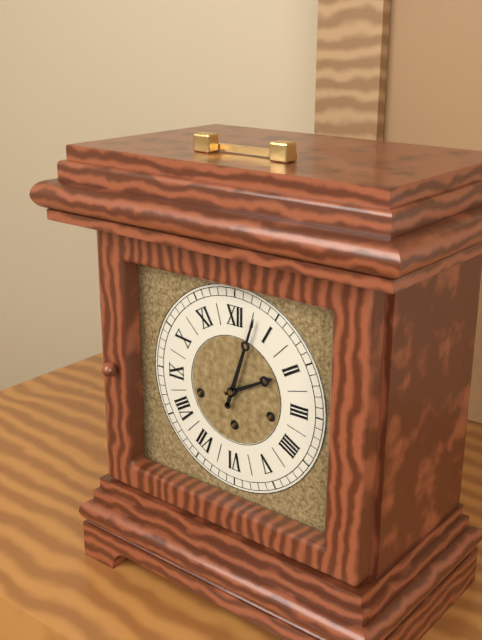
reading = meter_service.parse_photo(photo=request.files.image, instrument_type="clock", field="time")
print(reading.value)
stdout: 2:03
